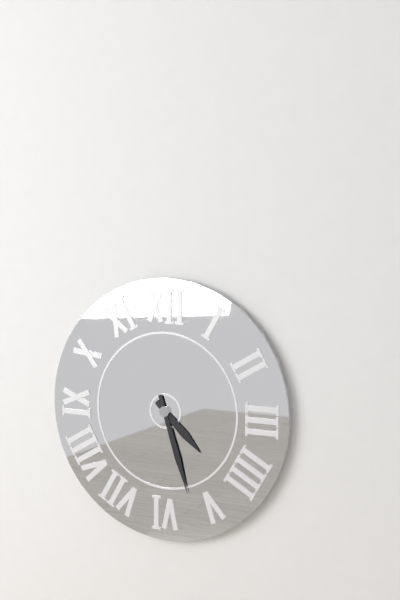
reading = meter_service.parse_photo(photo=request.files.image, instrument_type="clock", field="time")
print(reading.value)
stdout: 4:27
